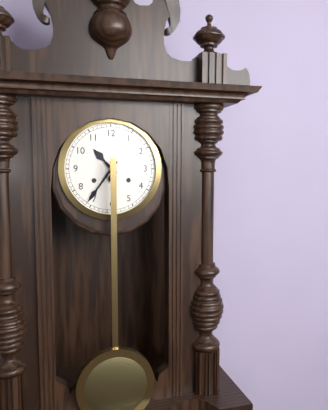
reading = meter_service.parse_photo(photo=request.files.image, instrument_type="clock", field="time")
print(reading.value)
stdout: 10:36
